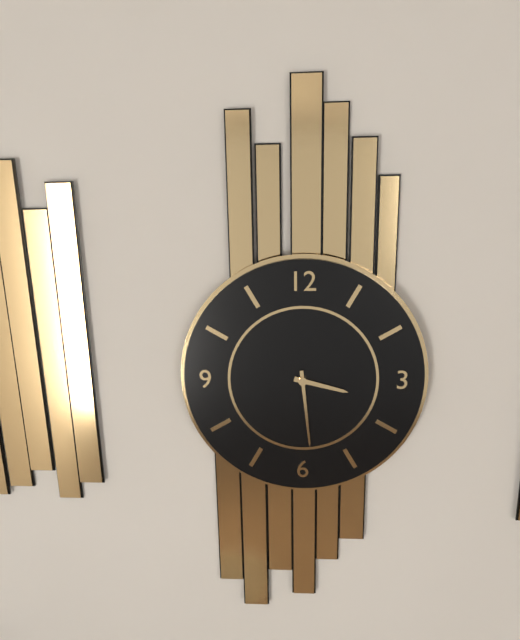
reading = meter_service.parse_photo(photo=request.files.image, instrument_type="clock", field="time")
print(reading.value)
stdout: 3:29
